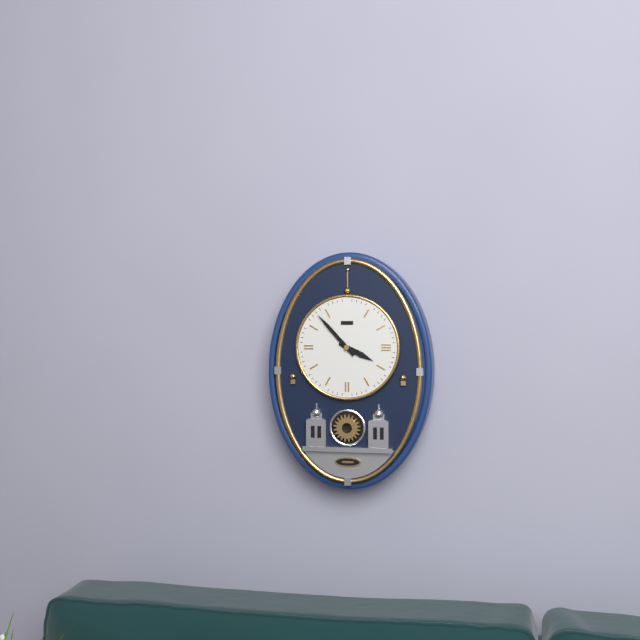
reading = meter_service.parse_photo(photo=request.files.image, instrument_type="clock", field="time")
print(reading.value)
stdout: 3:53
